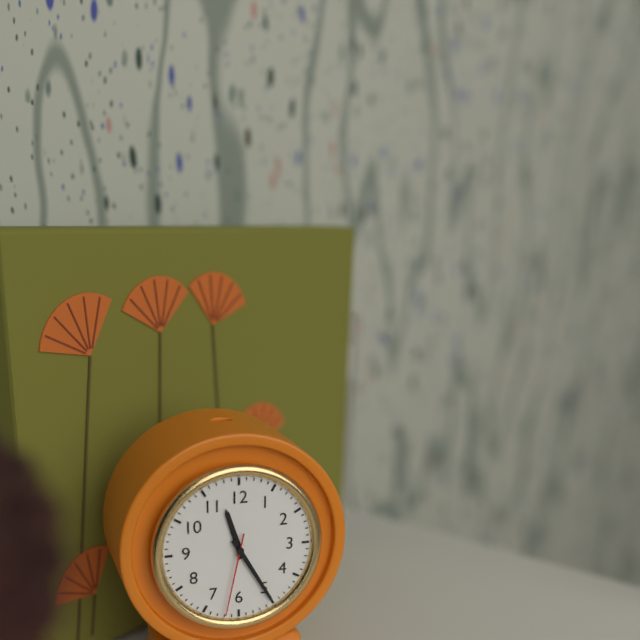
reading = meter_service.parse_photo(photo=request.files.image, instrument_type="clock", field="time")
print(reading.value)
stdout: 11:25:32
